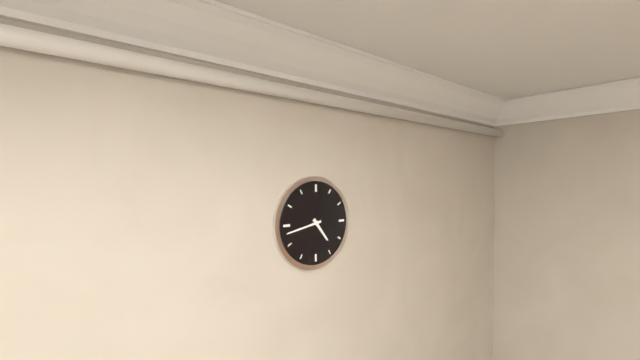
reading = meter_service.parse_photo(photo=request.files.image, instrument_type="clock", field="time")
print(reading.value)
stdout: 4:43
